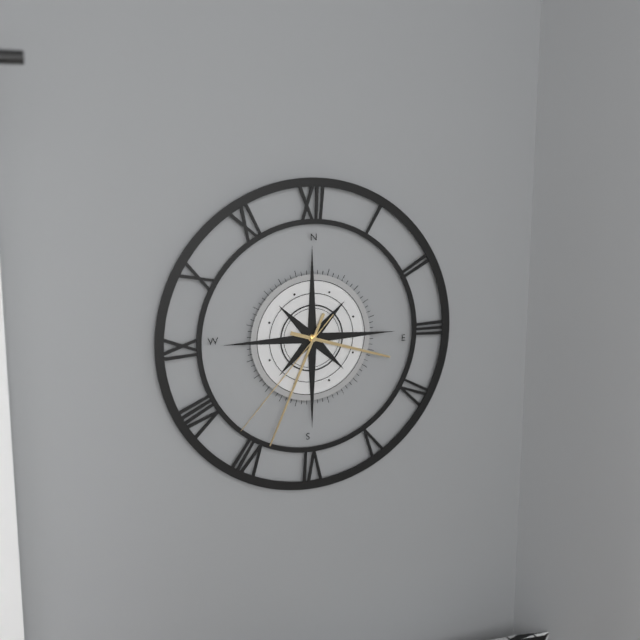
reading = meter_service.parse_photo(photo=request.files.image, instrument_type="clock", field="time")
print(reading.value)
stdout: 3:34:37
